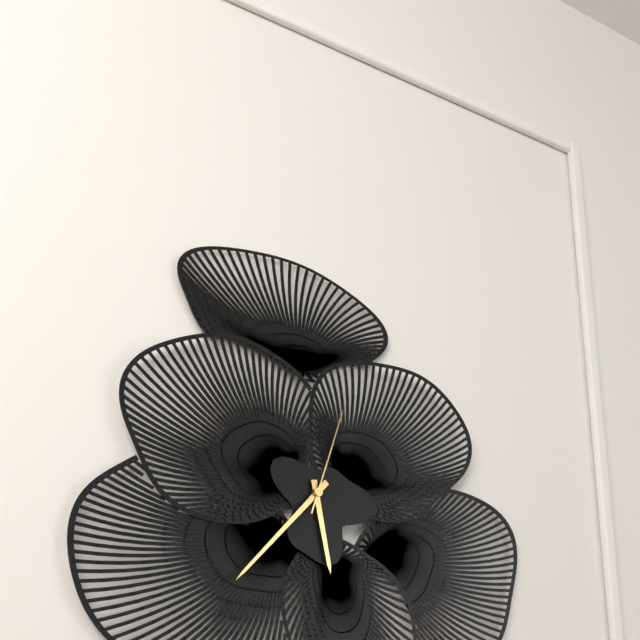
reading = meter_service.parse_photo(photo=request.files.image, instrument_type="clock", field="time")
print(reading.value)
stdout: 5:37:03
